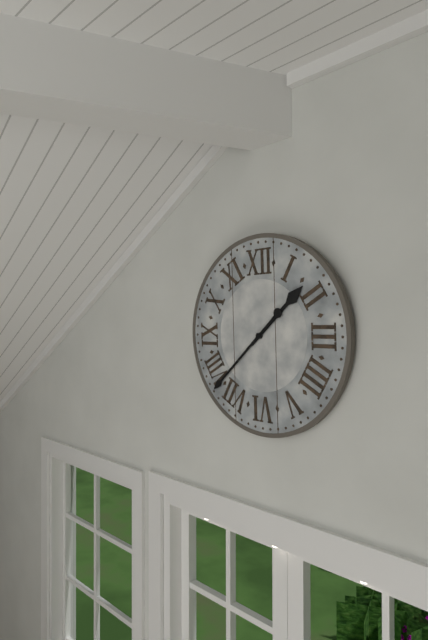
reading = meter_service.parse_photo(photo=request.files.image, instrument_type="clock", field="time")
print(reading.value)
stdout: 1:38
